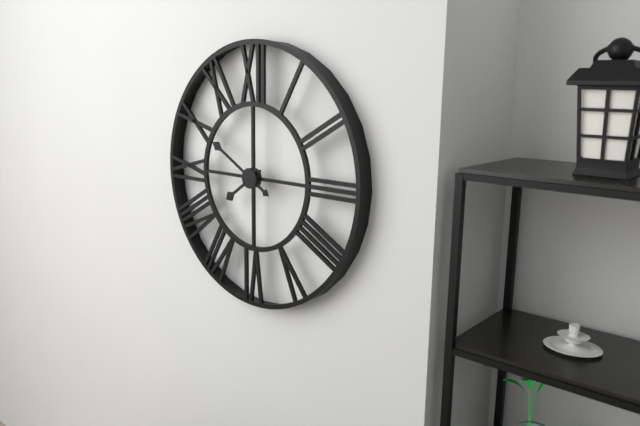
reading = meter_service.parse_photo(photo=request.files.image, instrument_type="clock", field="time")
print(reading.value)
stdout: 7:50
